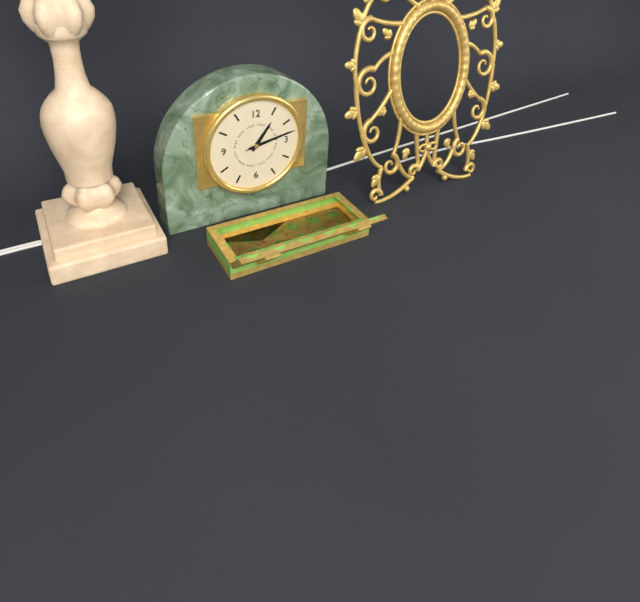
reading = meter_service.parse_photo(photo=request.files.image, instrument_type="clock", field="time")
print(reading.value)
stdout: 1:13:13
